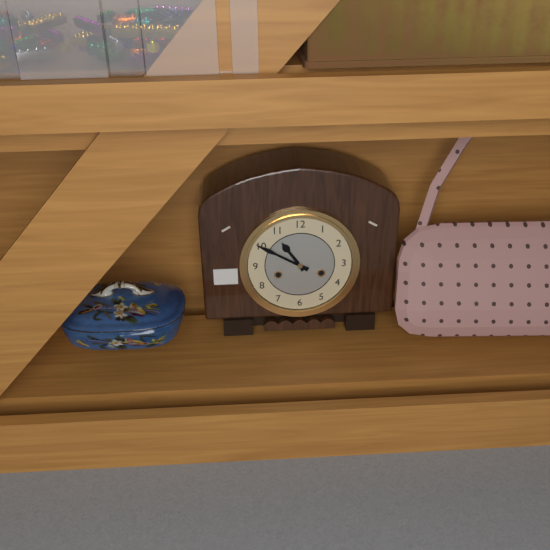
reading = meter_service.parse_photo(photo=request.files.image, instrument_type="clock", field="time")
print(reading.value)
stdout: 10:50
